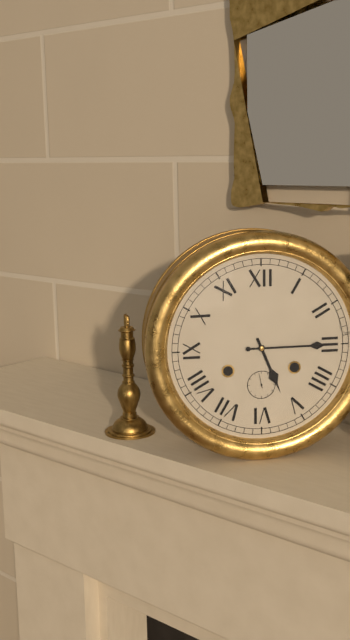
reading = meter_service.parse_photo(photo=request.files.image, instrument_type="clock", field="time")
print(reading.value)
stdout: 5:15
